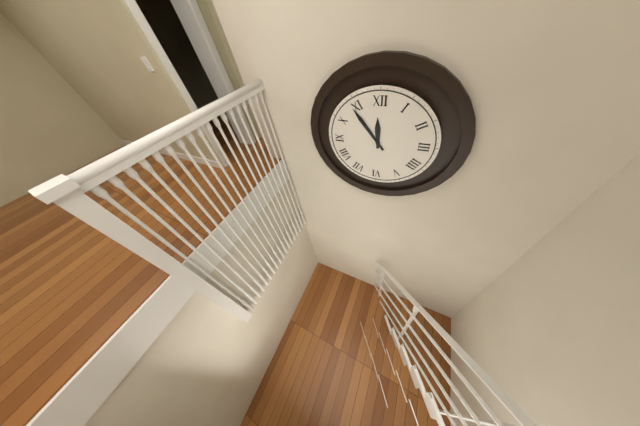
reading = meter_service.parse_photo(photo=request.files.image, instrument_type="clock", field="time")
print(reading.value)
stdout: 11:54
